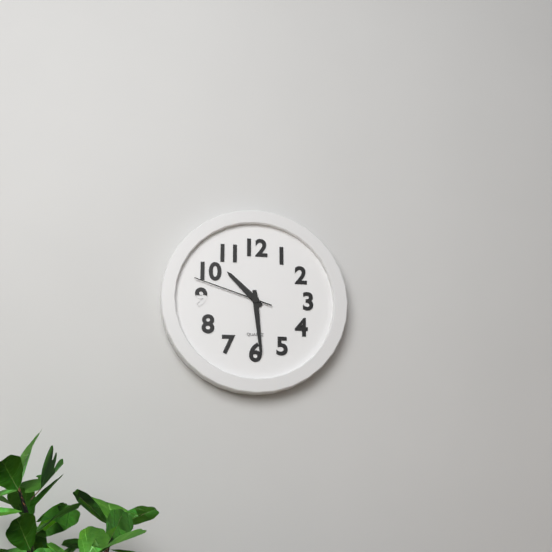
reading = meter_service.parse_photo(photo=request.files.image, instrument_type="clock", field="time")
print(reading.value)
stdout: 10:29:48
